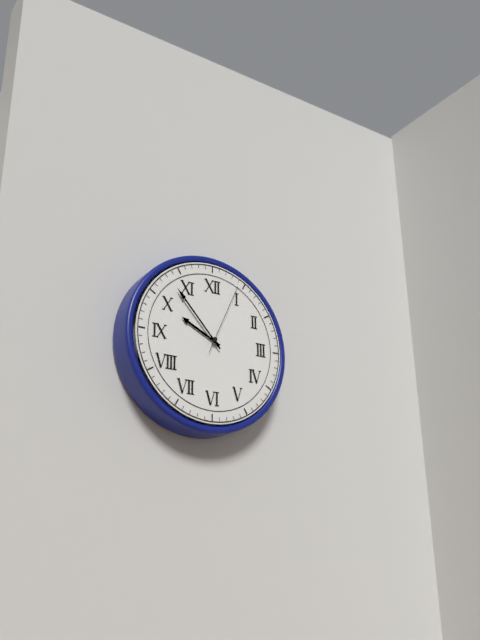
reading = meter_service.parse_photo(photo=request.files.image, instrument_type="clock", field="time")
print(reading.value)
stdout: 9:53:04
